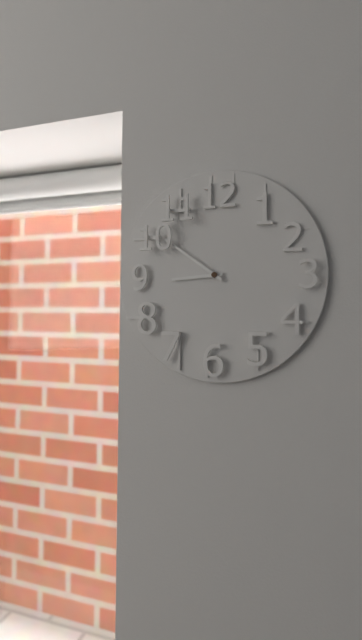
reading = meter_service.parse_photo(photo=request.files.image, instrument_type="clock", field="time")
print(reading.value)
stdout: 8:51
